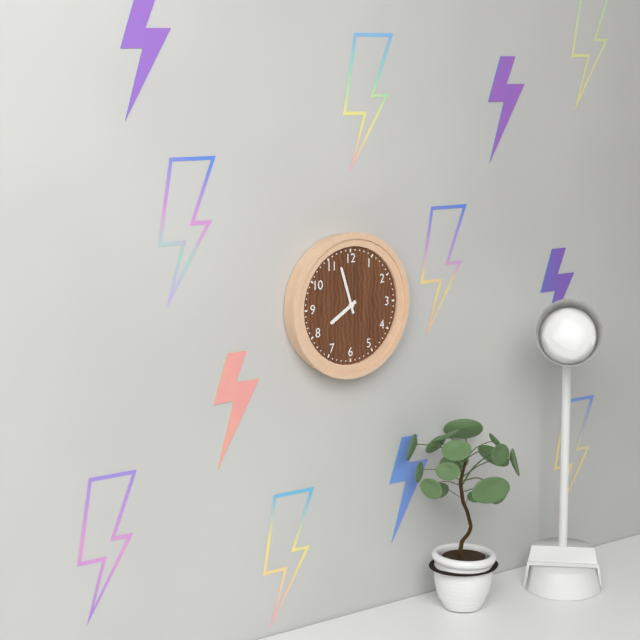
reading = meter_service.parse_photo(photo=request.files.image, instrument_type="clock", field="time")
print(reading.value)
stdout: 7:57
